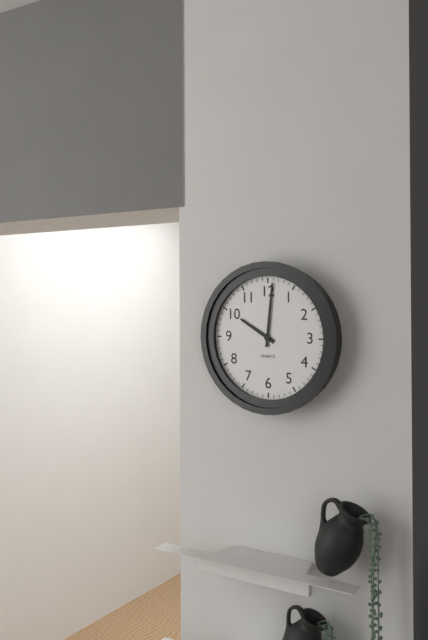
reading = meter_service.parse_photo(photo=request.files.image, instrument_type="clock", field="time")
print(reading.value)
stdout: 10:01
